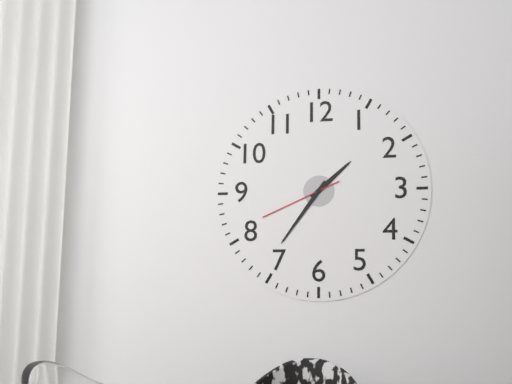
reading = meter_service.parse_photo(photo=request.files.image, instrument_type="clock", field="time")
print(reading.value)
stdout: 1:36:41
